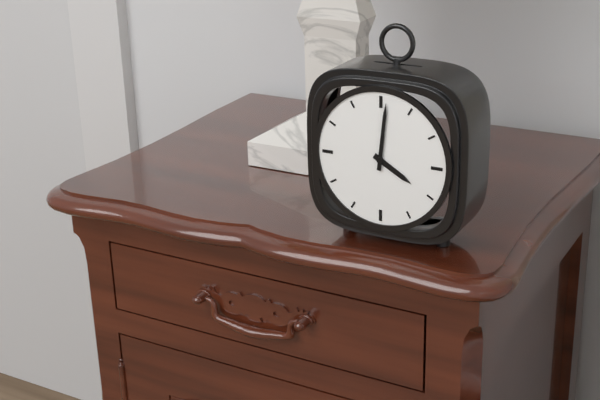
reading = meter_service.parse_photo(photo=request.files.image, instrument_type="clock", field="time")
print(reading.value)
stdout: 4:01
